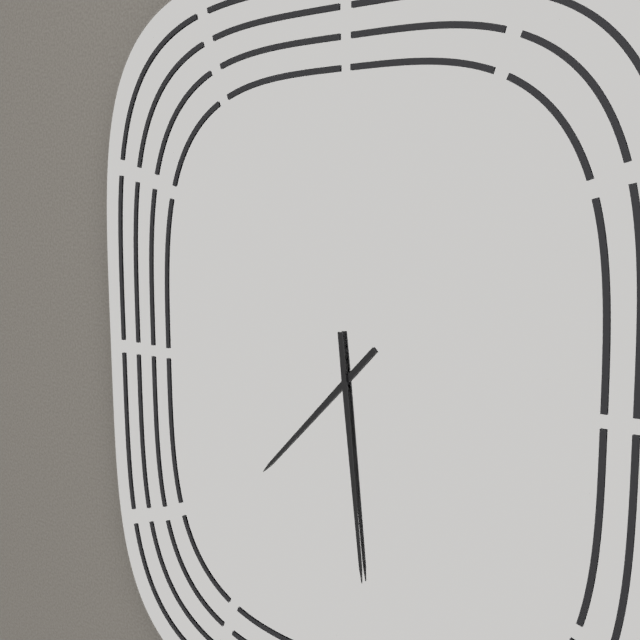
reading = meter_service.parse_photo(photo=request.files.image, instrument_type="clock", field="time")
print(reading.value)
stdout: 7:29
